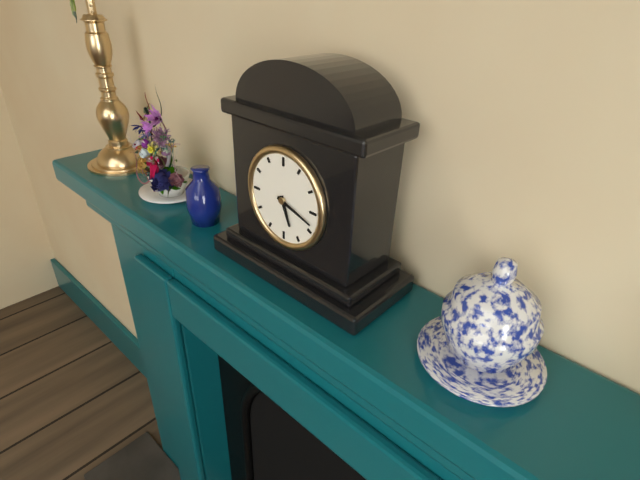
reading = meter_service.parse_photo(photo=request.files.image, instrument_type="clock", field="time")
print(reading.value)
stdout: 5:18
